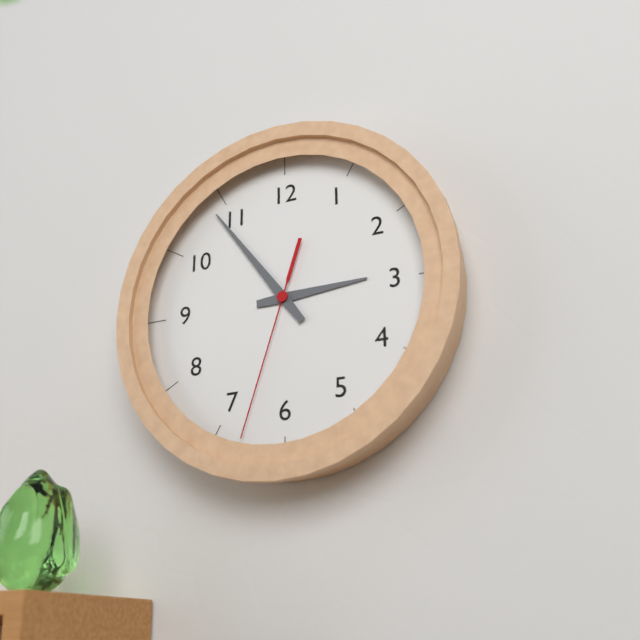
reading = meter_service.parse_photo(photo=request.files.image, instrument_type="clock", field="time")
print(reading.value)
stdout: 2:54:33
